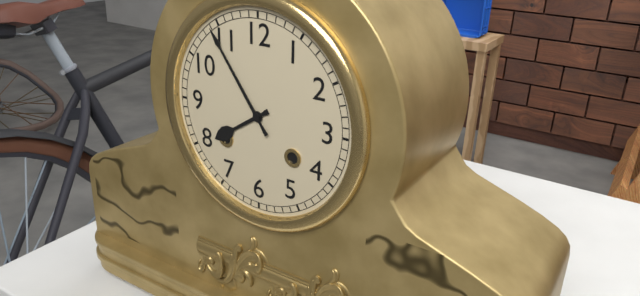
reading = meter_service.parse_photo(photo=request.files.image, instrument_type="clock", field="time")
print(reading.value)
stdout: 7:54
